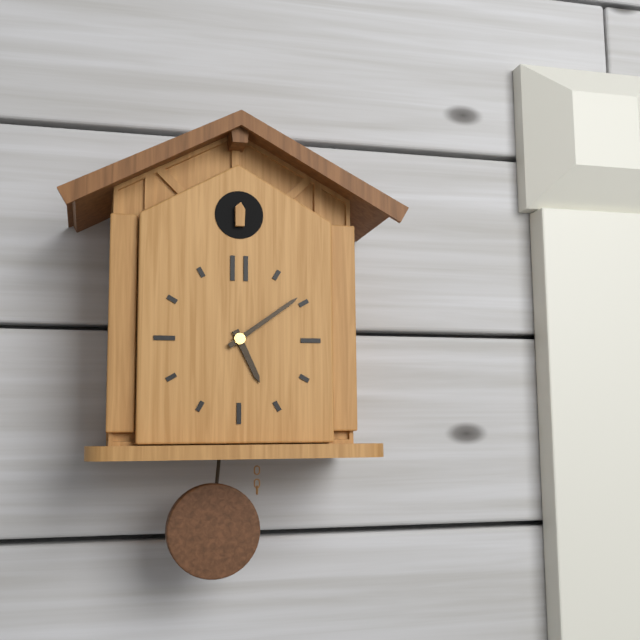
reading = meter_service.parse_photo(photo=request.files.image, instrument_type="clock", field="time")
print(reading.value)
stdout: 5:09
